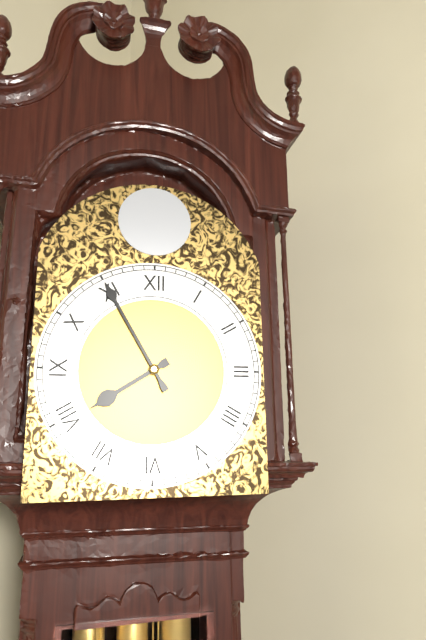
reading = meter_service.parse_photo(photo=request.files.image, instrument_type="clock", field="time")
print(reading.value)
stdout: 7:55
